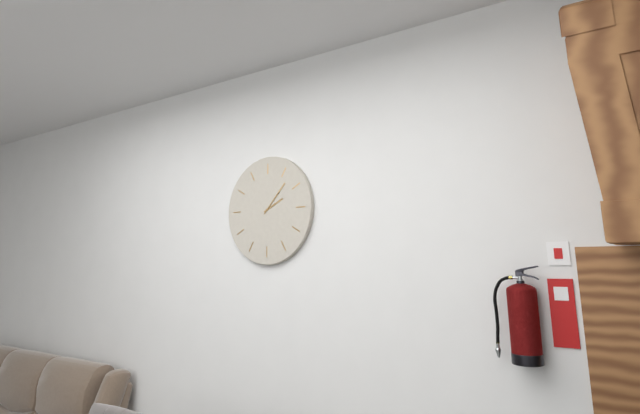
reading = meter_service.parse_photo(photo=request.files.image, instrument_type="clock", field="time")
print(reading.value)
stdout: 2:07
